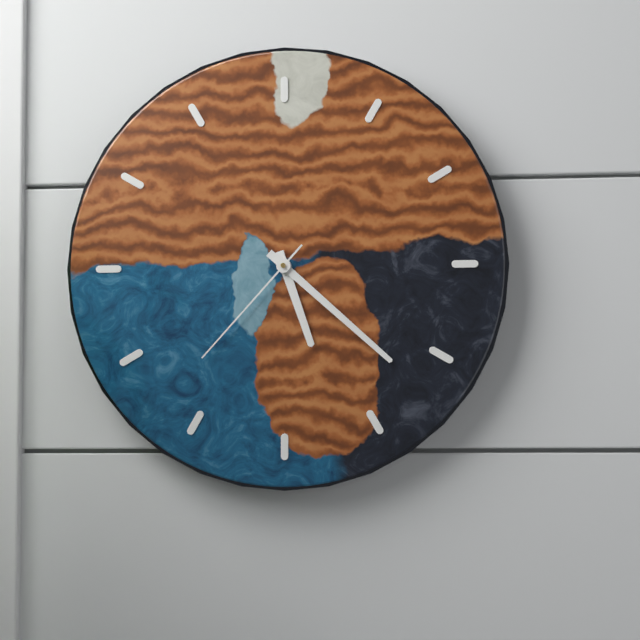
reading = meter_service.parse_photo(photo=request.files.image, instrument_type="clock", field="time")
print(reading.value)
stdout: 5:22:37
